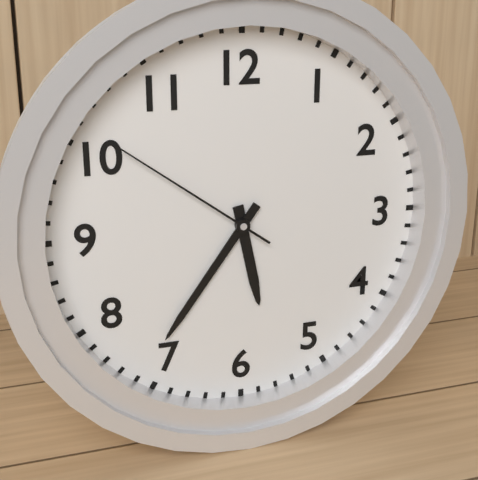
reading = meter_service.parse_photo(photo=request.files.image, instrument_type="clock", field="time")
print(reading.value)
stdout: 5:36:51
